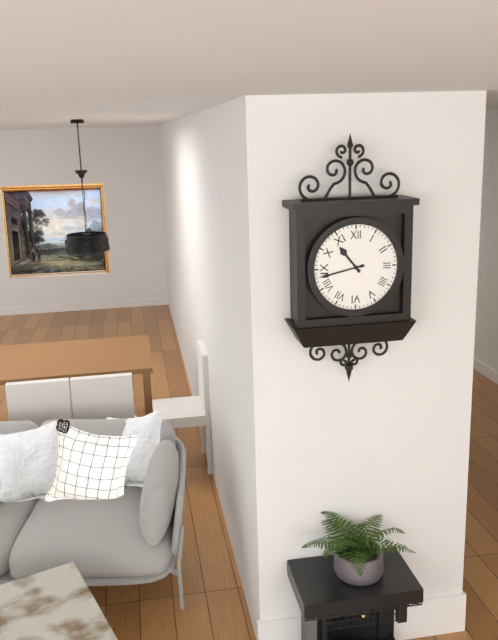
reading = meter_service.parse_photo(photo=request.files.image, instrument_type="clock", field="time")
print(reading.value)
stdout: 10:43
